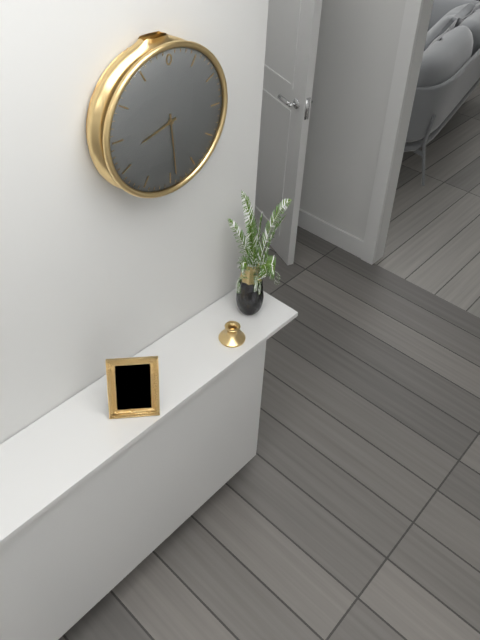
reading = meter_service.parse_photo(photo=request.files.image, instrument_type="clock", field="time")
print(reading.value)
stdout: 8:29
